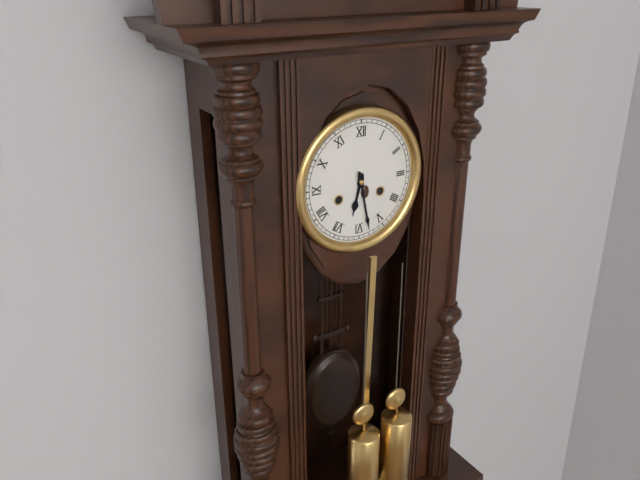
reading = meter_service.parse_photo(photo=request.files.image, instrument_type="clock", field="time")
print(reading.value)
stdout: 6:28
